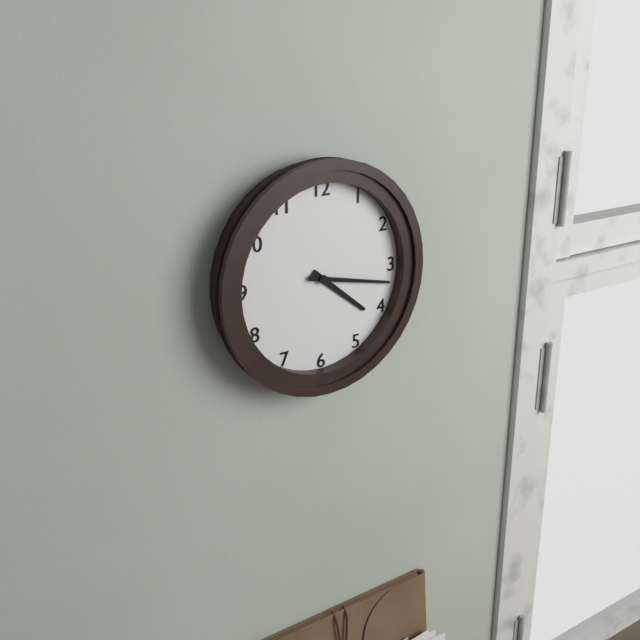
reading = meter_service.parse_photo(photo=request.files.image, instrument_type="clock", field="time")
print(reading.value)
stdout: 4:17
